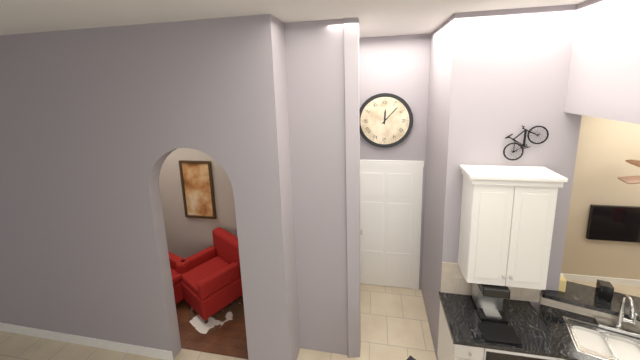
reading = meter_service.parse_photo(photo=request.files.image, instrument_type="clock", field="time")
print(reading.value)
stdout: 12:07
